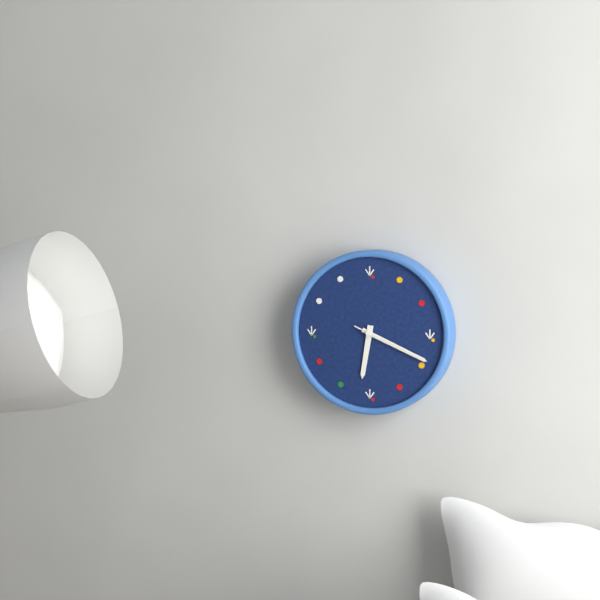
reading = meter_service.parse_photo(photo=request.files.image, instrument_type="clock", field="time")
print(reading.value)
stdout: 6:19:19
